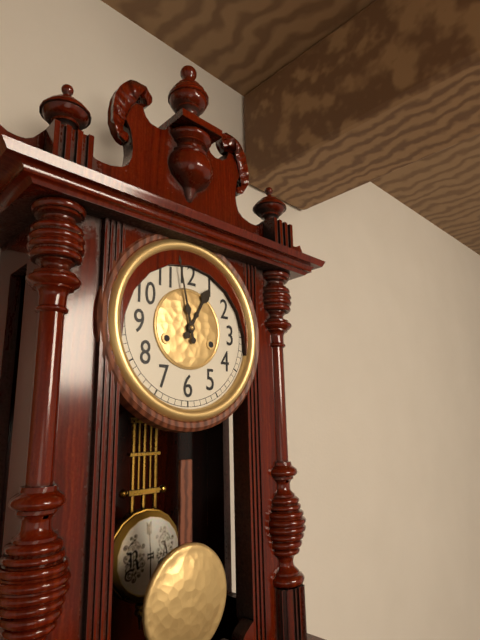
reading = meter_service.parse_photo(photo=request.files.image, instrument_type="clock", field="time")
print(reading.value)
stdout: 12:58
